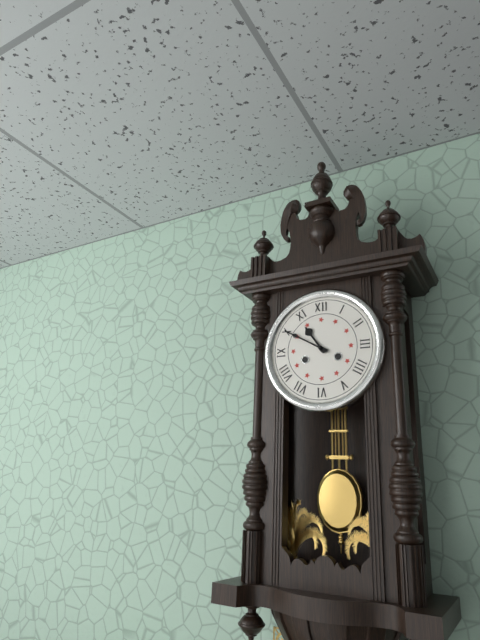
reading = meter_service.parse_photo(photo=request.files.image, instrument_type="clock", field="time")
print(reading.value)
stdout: 10:50
